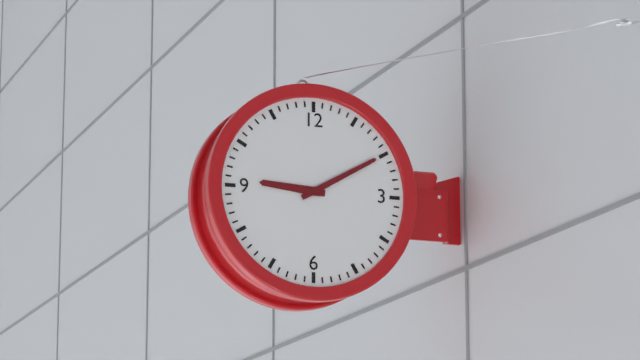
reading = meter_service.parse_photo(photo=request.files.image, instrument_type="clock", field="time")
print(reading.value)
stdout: 9:10
